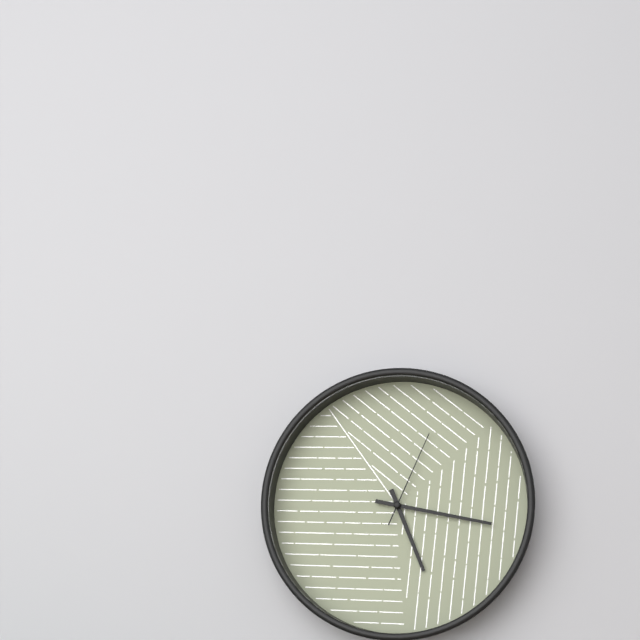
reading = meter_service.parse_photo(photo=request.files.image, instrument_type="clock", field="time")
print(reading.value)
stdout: 5:17:04
